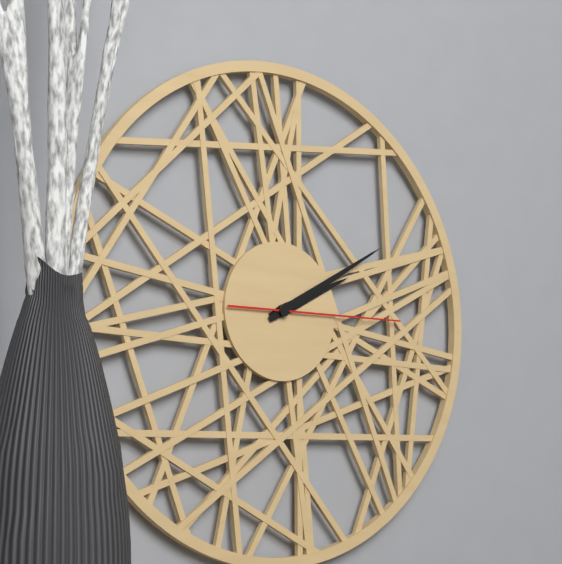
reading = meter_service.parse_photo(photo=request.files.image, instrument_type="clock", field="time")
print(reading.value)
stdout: 2:10:15
